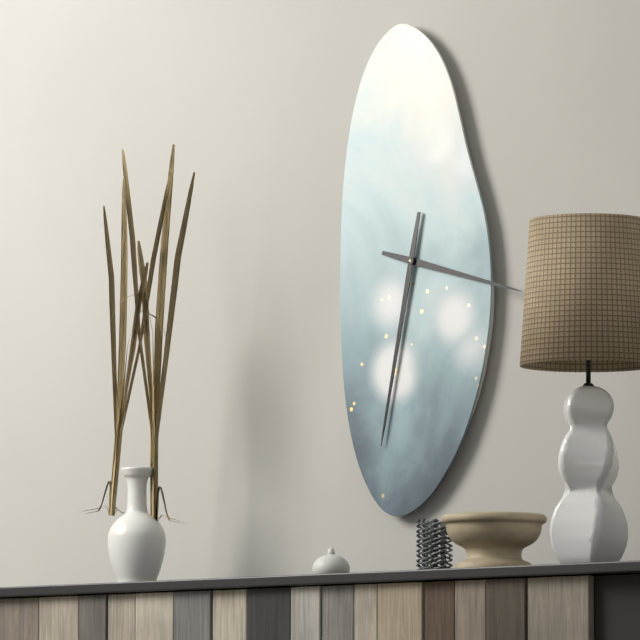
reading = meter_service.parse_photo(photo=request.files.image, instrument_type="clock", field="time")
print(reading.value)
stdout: 3:32
